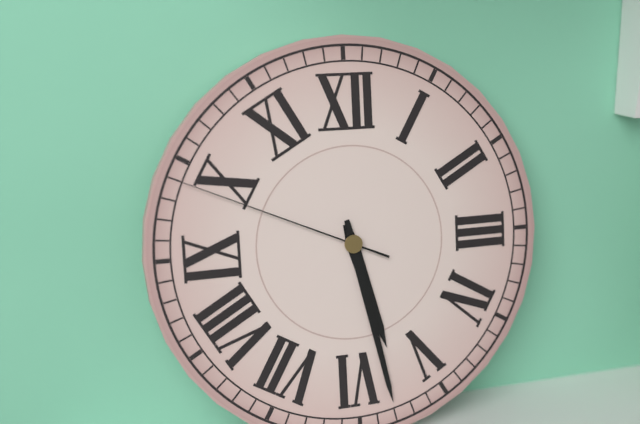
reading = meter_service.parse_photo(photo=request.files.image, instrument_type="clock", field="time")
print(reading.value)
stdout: 5:28:49
